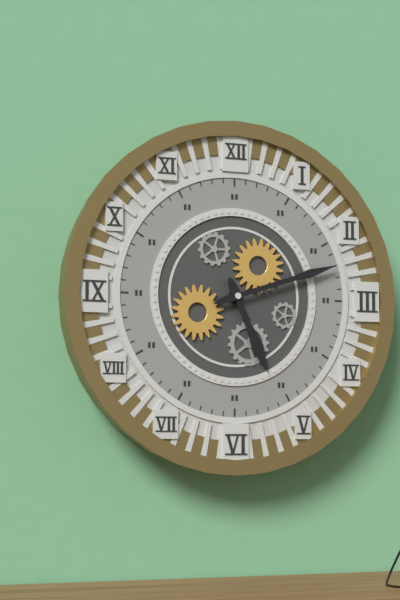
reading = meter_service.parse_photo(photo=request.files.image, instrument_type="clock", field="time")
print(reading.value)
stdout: 5:12
